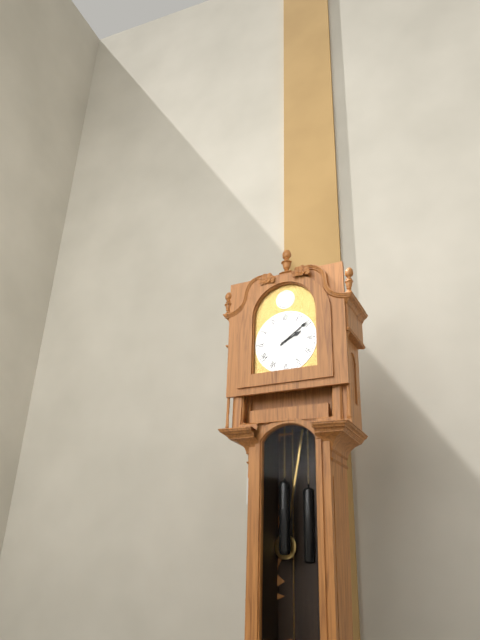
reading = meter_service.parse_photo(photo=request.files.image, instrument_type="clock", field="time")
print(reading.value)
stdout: 2:09
